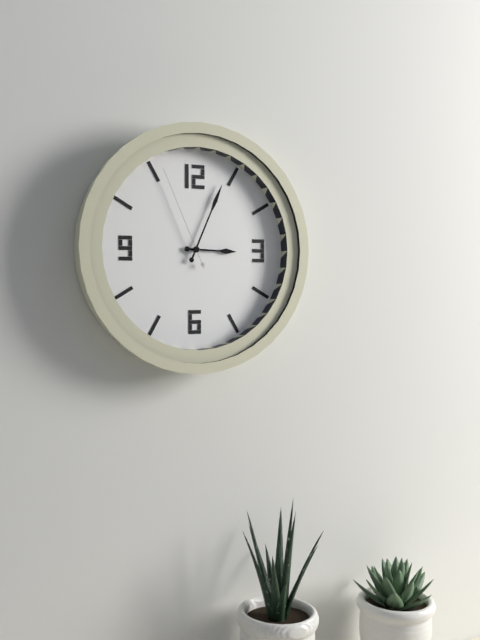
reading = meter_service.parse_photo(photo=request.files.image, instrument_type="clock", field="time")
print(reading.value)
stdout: 3:04:56
